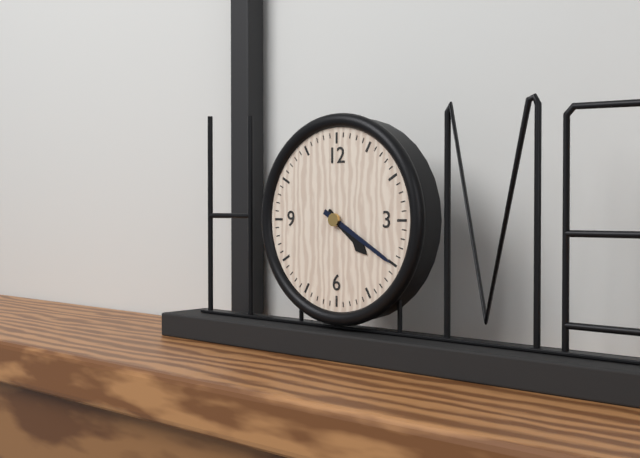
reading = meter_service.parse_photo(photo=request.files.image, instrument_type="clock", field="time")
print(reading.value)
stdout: 4:20
